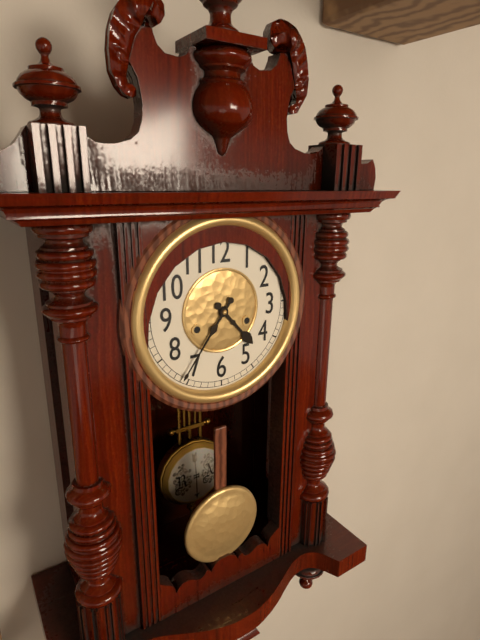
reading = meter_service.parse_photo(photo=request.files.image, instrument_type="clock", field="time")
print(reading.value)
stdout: 4:36
